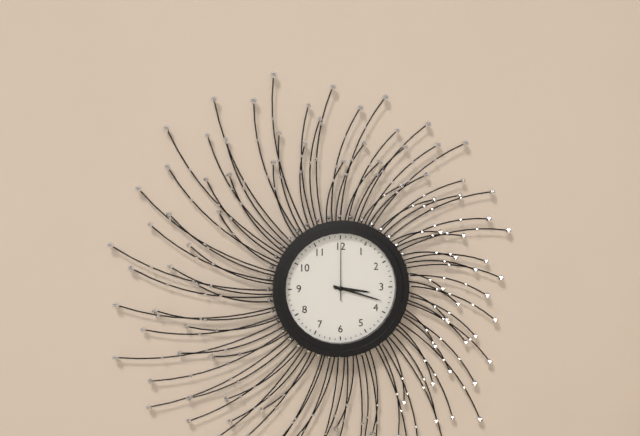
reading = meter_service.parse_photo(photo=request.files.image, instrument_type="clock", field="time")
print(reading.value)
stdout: 3:18:00
